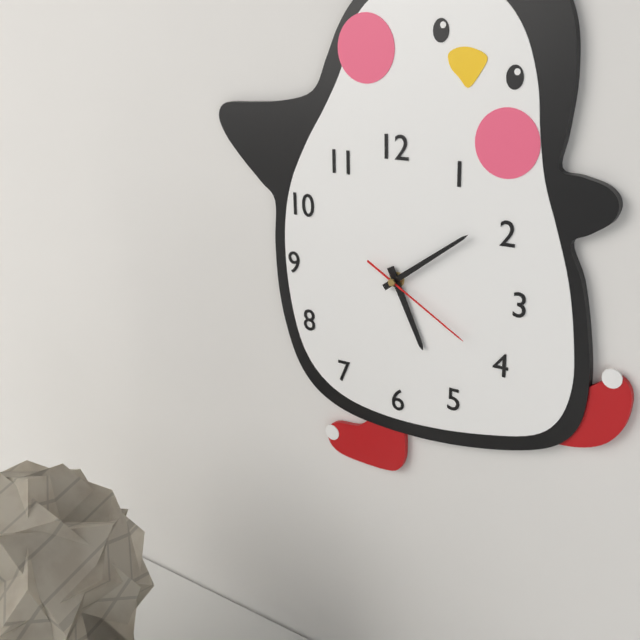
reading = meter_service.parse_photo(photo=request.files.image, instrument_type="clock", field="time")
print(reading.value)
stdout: 5:09:20
